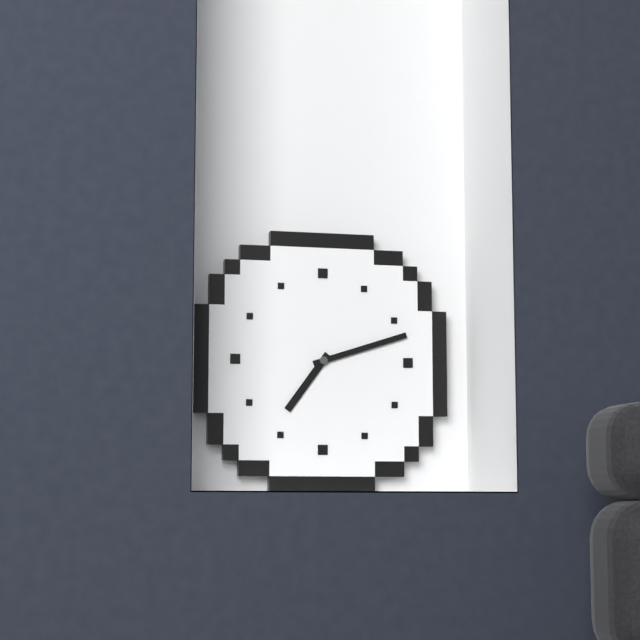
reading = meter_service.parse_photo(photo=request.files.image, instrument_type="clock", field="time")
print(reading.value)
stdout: 7:12
